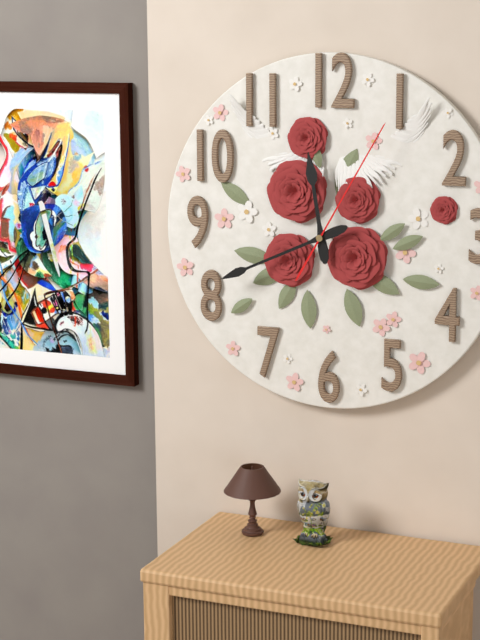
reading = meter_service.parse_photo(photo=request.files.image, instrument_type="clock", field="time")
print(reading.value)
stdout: 11:41:05
